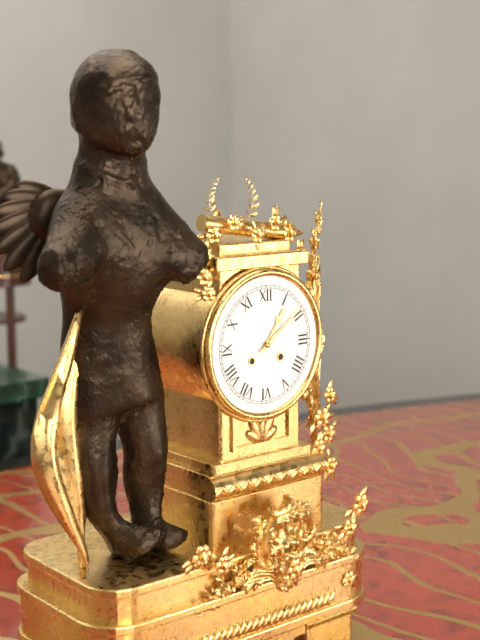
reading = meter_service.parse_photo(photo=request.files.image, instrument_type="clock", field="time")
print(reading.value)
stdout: 1:09
